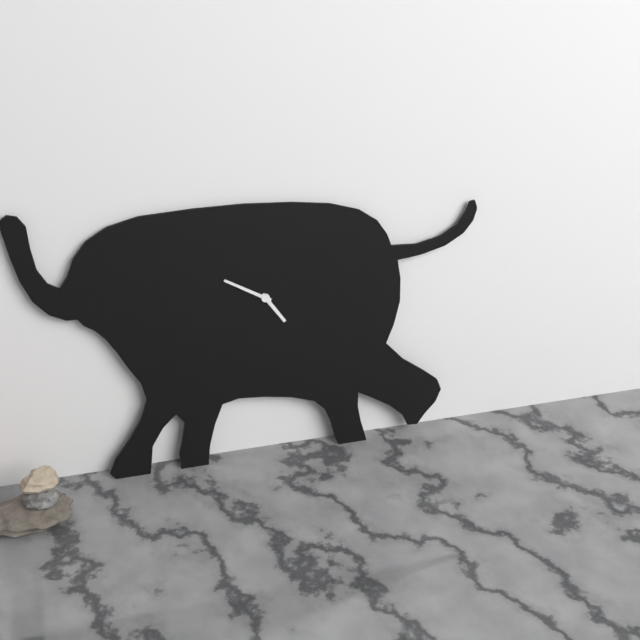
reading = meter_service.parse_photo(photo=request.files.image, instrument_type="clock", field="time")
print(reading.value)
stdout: 4:50
